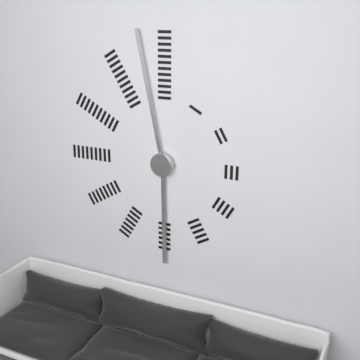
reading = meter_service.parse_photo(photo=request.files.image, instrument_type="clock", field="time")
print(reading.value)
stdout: 5:58
